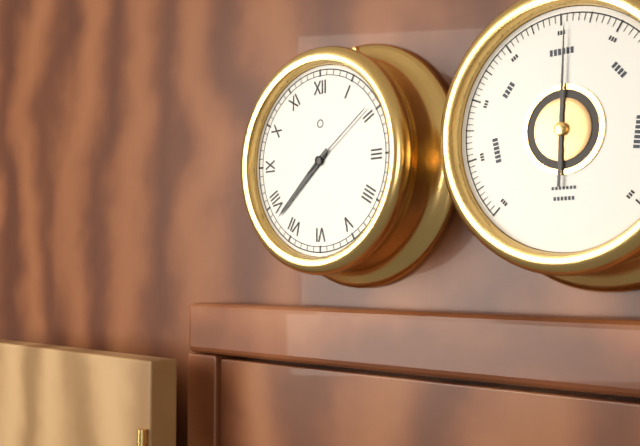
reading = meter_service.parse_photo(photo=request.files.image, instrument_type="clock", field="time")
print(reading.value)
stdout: 7:38:09
